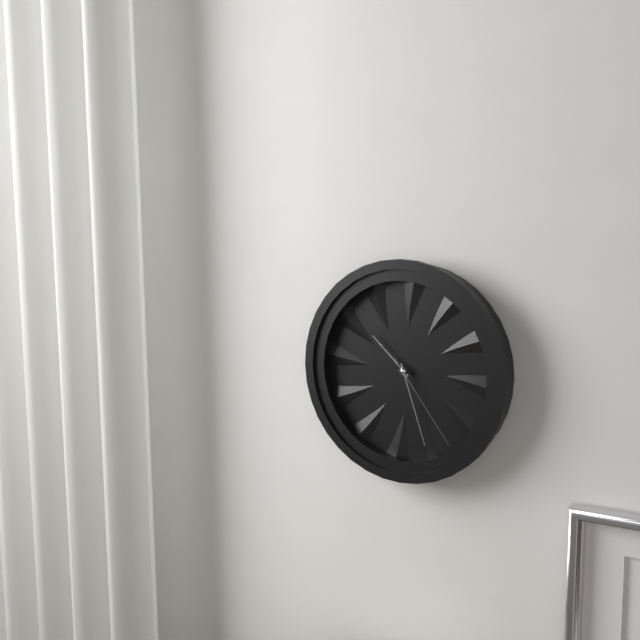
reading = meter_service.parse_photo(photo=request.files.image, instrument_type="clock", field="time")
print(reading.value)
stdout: 10:27:24
